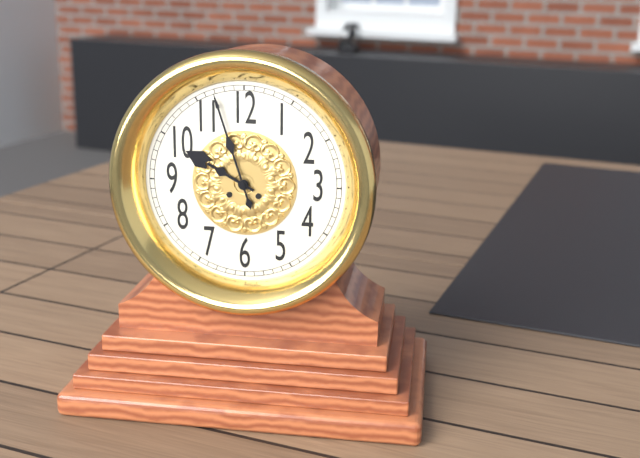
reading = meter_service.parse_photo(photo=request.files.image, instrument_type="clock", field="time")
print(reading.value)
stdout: 9:57
